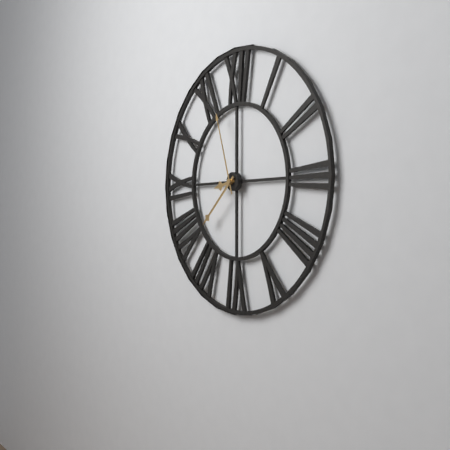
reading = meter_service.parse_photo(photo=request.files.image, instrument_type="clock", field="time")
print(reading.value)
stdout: 8:38:57
